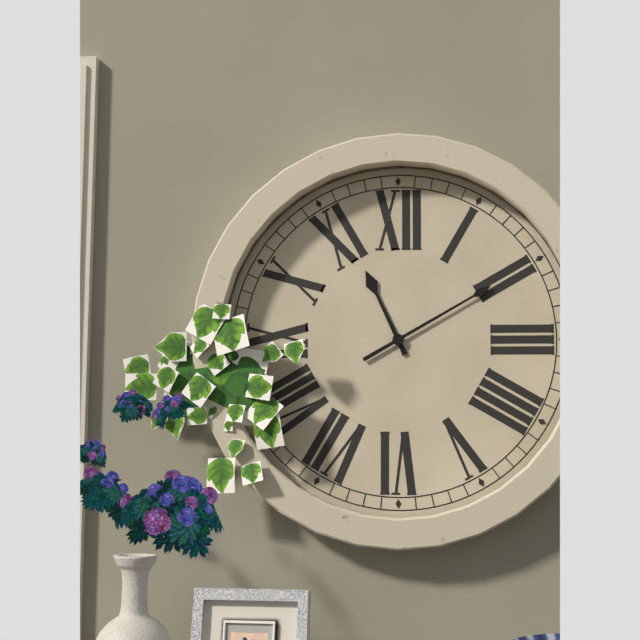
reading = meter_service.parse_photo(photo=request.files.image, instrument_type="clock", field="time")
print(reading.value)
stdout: 11:10
